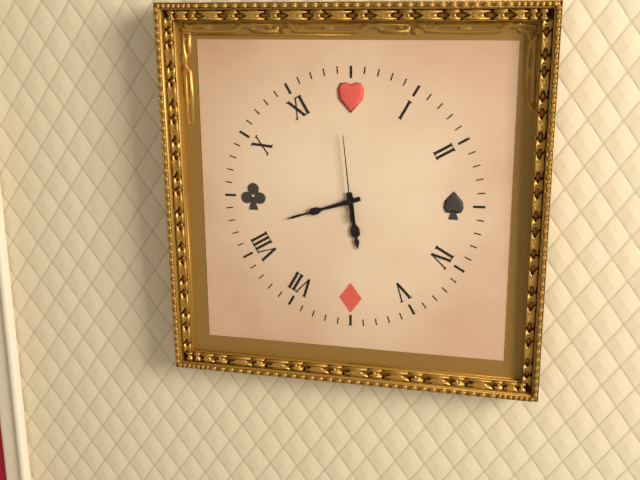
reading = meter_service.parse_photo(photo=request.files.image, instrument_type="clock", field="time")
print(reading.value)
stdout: 5:42:59
